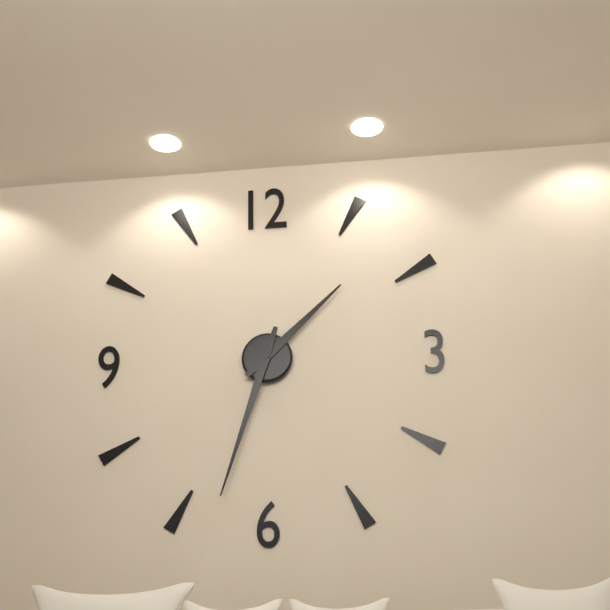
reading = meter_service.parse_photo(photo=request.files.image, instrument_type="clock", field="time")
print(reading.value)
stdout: 1:33
